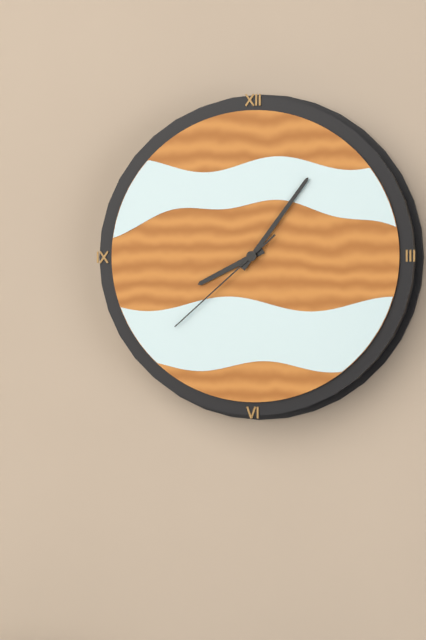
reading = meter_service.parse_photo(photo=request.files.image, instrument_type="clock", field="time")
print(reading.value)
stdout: 8:06:38
